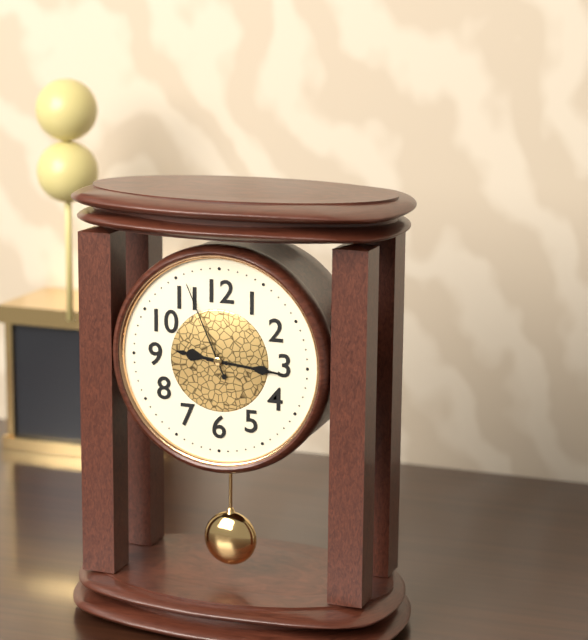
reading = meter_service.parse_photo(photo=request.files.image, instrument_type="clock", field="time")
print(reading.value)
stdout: 9:16:56
